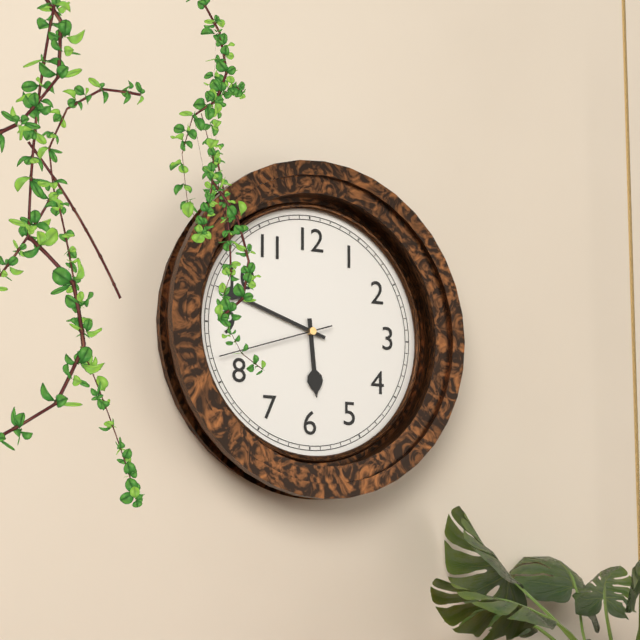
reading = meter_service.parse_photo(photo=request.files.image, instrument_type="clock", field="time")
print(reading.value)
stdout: 5:48:42
